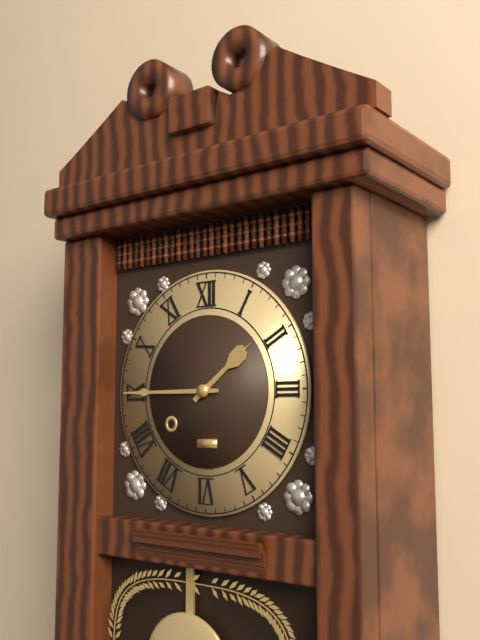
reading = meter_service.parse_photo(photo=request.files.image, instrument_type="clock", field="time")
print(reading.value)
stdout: 1:45
